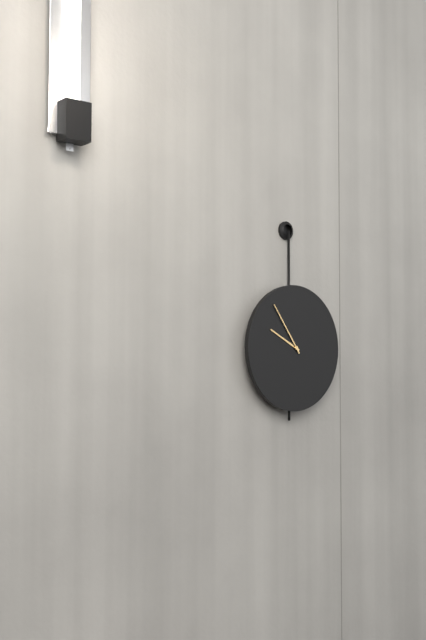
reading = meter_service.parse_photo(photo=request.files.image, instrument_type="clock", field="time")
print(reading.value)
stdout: 9:54
